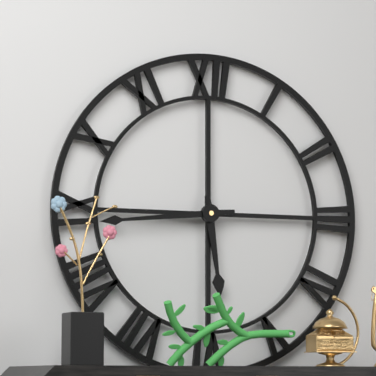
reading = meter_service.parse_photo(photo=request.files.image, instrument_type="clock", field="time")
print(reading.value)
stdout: 5:44
